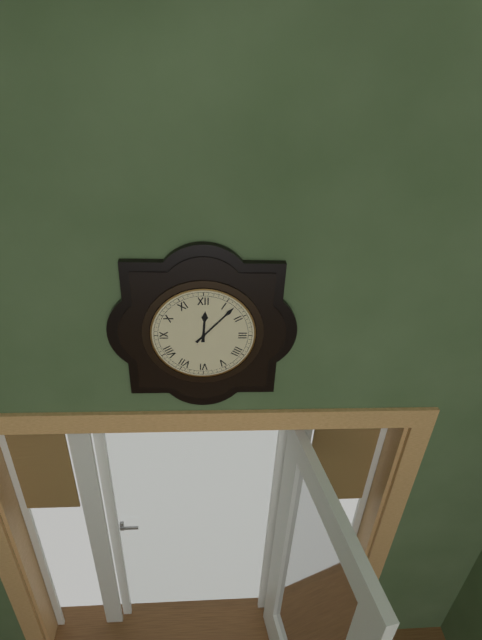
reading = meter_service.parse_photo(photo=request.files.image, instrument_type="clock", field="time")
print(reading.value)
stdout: 12:07
